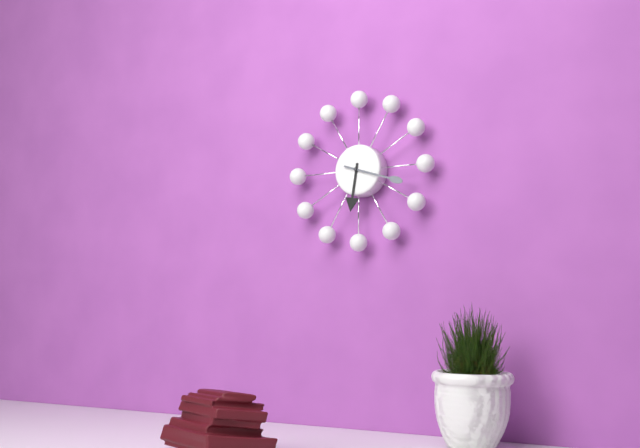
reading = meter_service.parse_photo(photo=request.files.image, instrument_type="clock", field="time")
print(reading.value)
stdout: 6:18
